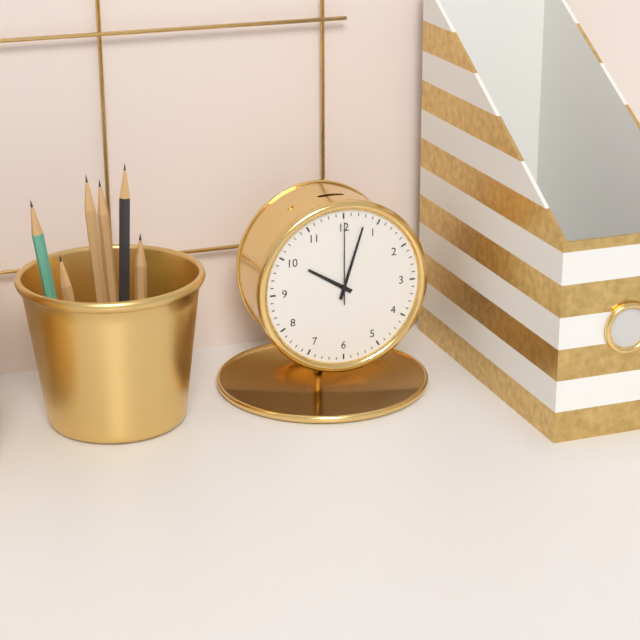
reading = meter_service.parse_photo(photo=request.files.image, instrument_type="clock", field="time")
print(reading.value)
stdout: 10:03:00
